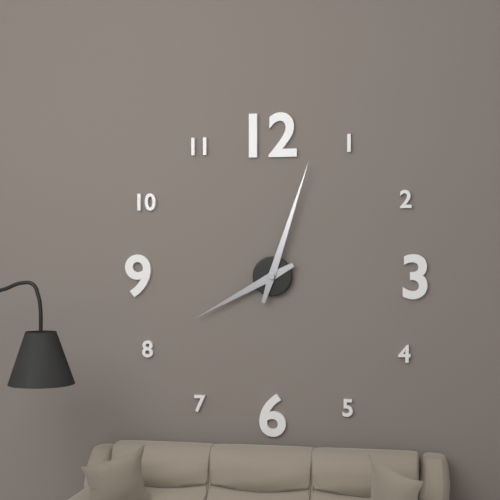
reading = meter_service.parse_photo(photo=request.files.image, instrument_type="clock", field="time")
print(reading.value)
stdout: 8:03
